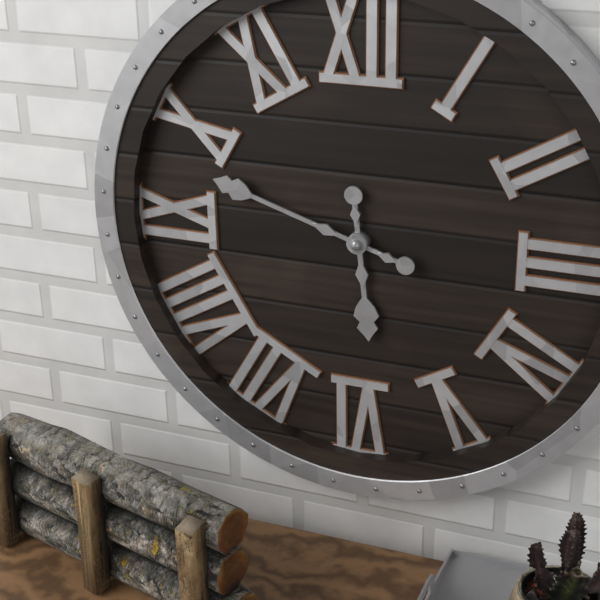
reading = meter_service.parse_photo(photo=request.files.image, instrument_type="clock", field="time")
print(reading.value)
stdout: 5:48
